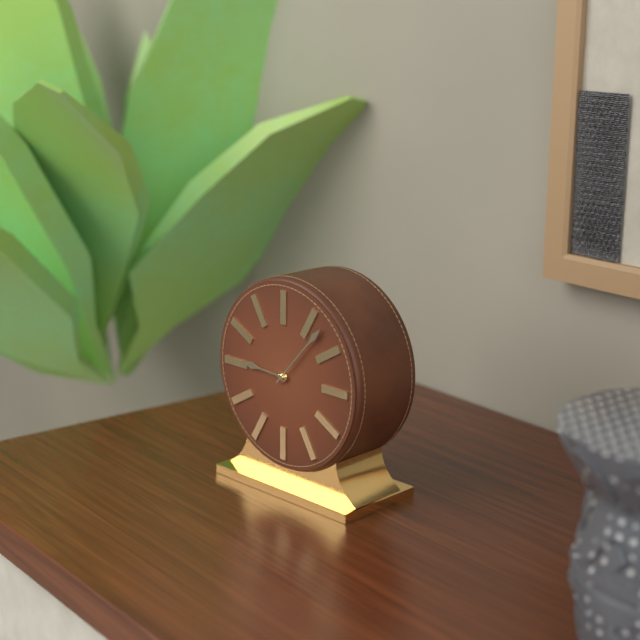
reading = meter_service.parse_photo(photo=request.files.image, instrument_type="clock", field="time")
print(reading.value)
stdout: 9:07
